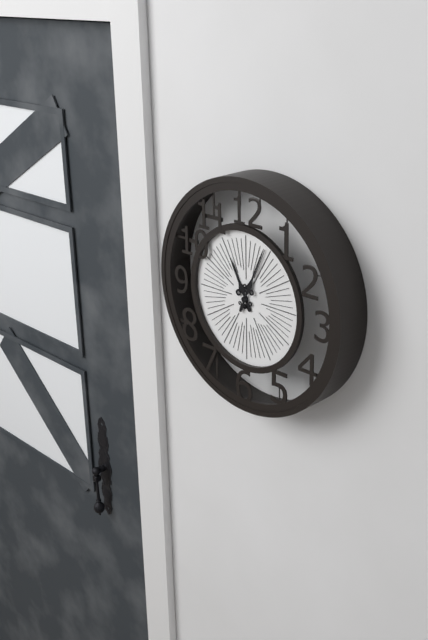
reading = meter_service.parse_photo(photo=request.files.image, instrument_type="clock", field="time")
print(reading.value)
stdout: 11:04
